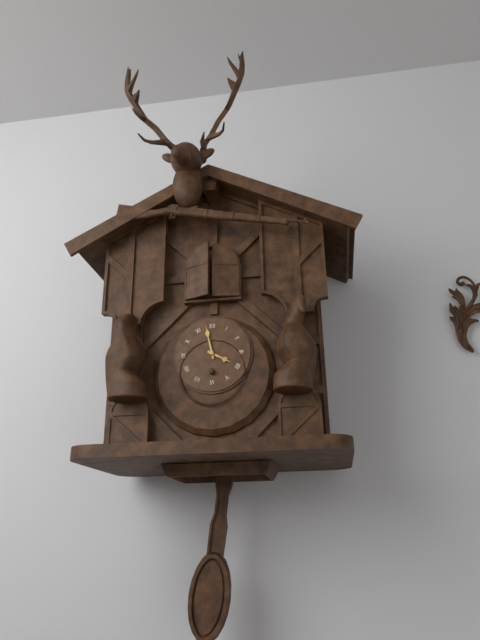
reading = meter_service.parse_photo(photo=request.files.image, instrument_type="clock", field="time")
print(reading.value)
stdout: 3:58
